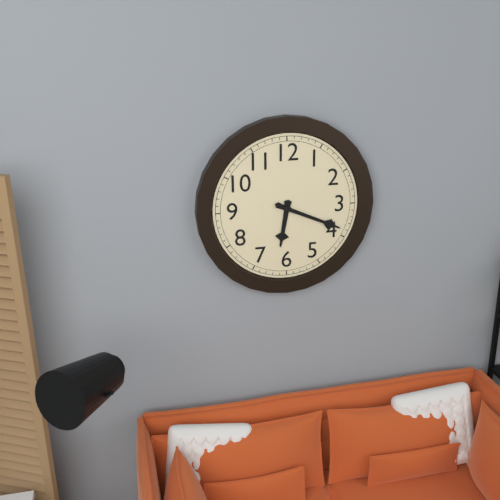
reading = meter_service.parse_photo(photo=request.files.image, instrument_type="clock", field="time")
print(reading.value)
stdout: 6:19
